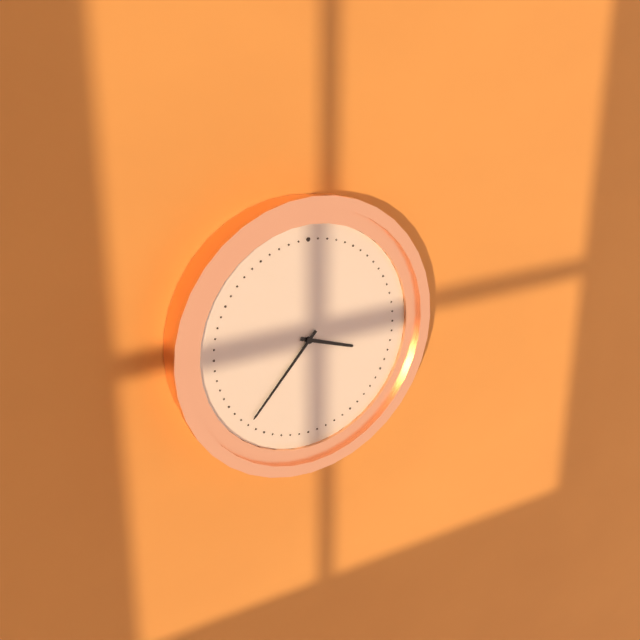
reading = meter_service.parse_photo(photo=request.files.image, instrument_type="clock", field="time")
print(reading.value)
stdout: 3:37
